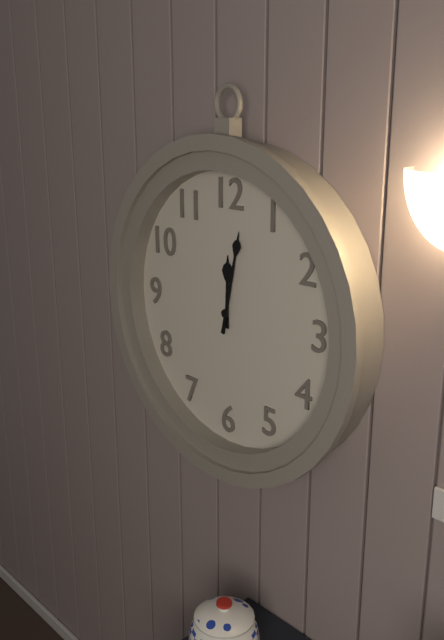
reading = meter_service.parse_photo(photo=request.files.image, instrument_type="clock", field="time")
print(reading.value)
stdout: 12:02
